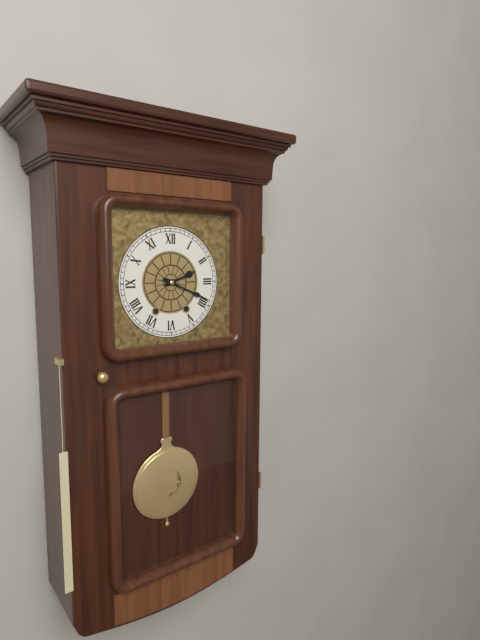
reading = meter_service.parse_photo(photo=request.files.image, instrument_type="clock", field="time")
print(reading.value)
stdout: 2:19
